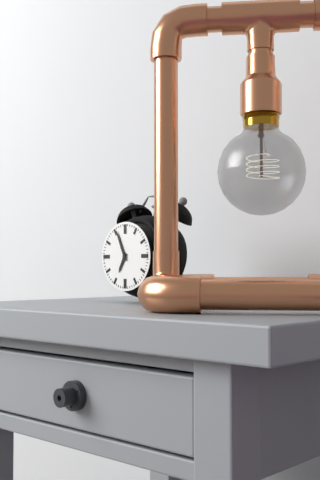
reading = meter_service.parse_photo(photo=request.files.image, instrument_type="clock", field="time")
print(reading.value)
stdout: 6:56
